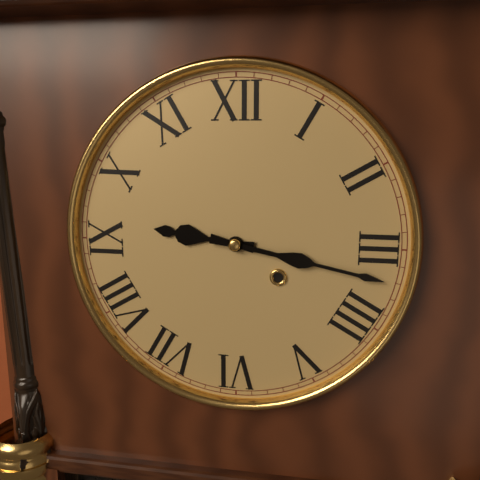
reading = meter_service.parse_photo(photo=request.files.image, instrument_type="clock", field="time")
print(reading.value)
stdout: 9:17
